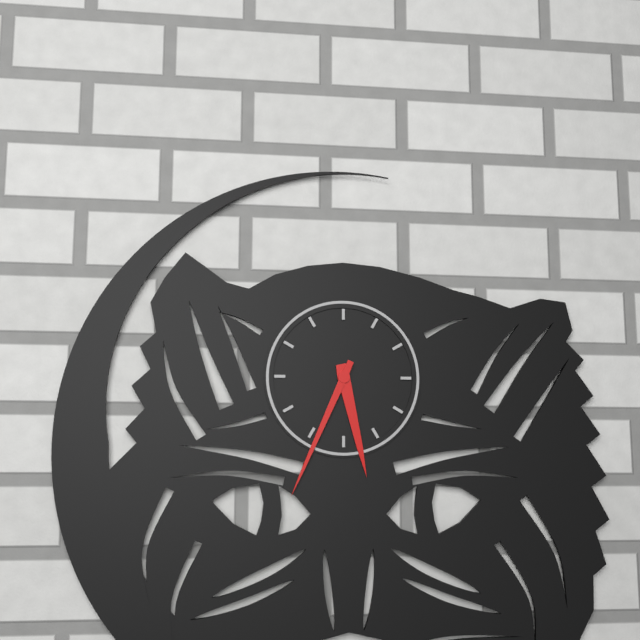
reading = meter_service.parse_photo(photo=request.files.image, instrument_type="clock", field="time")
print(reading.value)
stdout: 5:34
